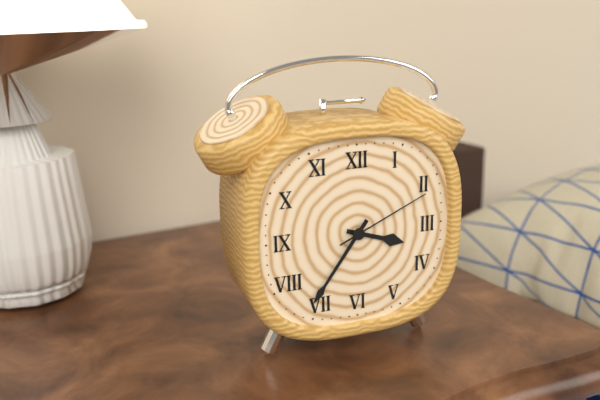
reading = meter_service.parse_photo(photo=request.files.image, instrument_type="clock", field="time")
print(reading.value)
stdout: 3:36:11
